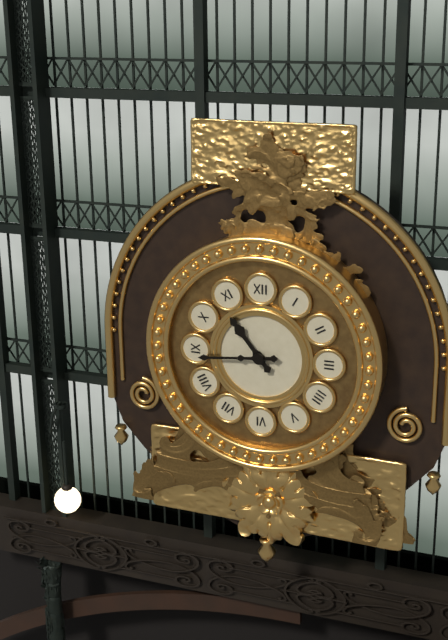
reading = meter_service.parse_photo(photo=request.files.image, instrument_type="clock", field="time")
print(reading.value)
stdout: 10:44
